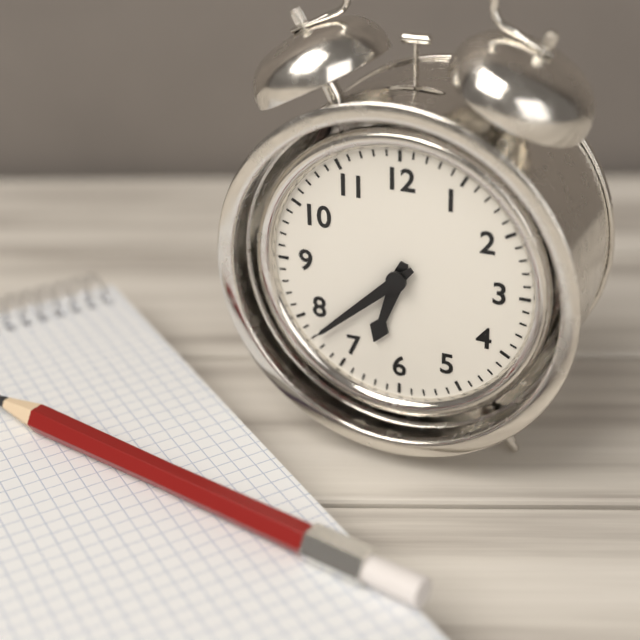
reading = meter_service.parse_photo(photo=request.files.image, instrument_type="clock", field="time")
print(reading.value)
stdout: 6:38
